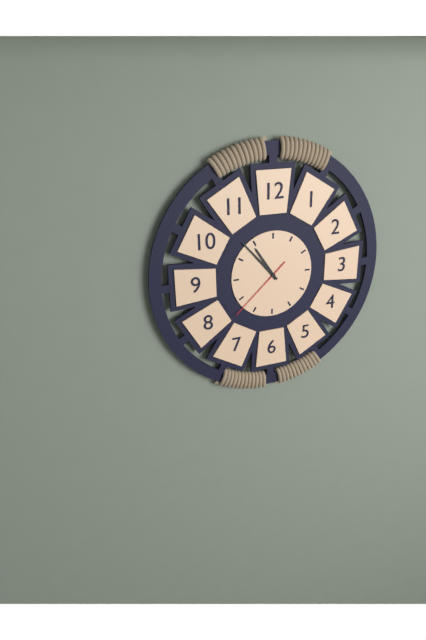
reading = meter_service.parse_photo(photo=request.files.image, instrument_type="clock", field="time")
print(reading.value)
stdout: 10:53:38
